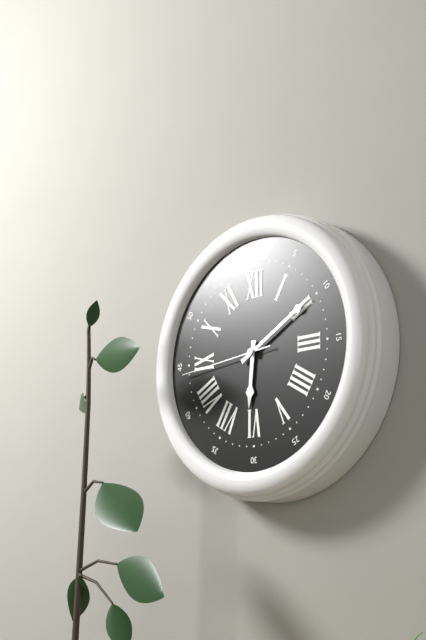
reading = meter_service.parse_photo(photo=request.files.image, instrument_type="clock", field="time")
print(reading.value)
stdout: 6:10:44
